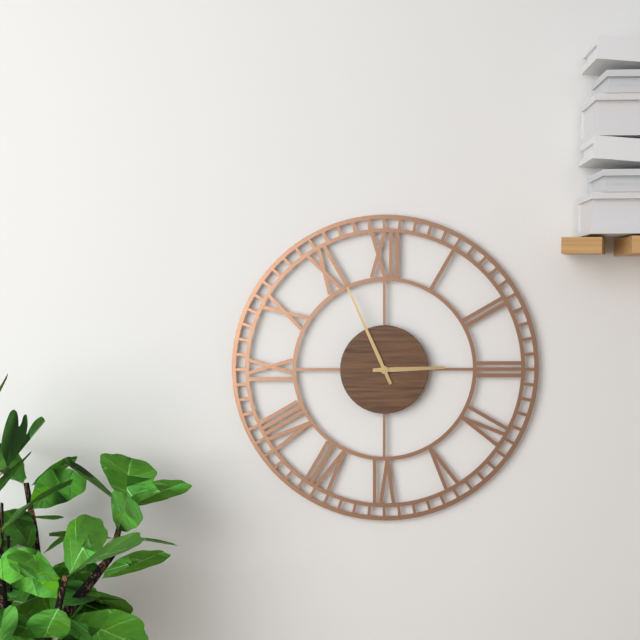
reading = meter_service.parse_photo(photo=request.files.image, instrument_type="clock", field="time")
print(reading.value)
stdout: 2:56
